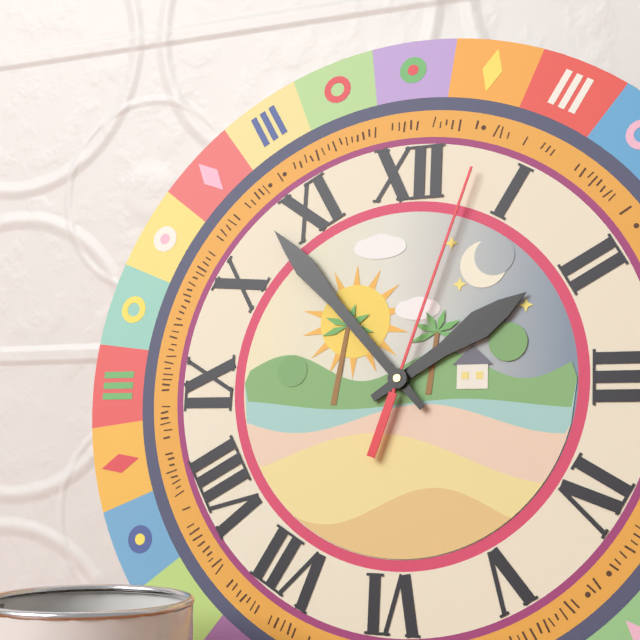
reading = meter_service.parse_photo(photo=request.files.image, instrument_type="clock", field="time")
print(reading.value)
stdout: 1:53:03
